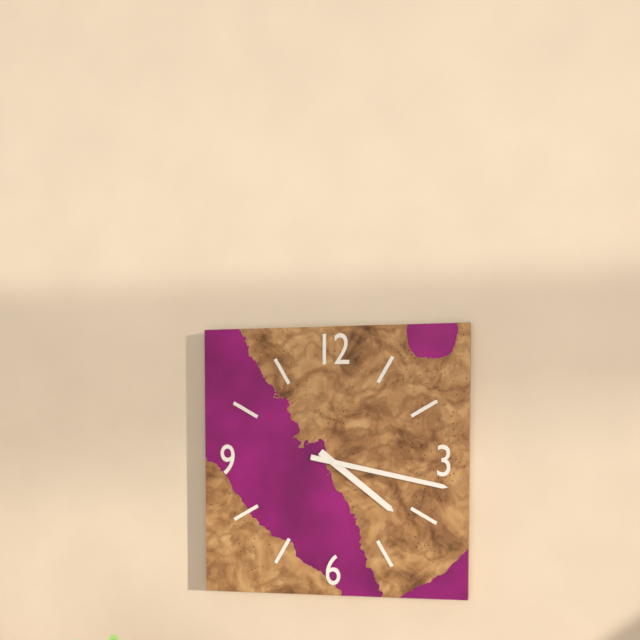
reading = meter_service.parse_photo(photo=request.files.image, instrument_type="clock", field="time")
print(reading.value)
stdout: 4:17
